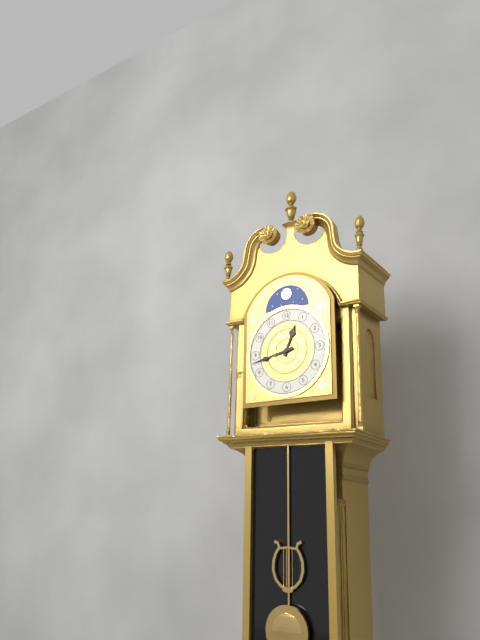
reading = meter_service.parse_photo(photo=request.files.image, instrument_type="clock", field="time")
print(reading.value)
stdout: 12:43
